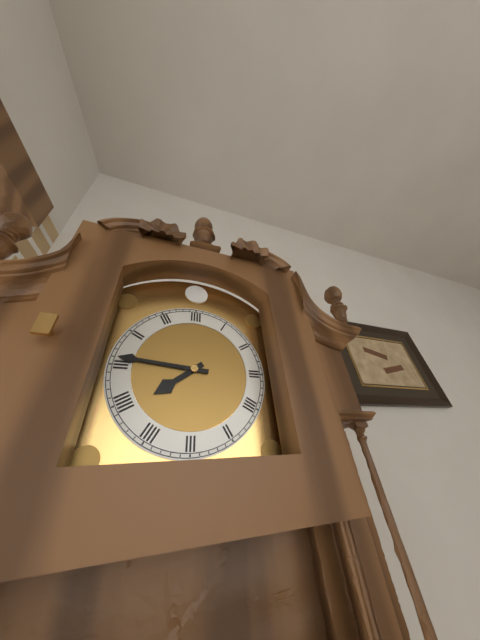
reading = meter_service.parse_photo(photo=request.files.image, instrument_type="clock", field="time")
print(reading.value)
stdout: 7:46
